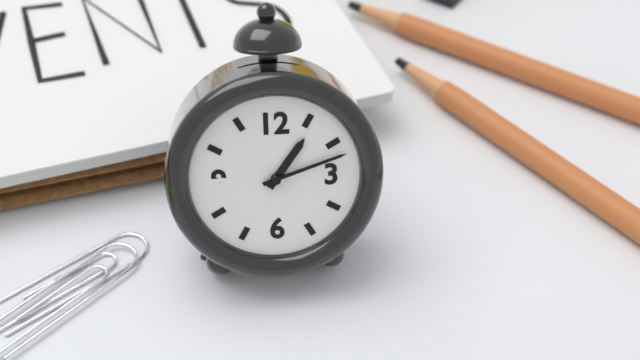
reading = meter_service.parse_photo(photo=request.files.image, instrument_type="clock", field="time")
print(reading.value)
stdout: 1:12
